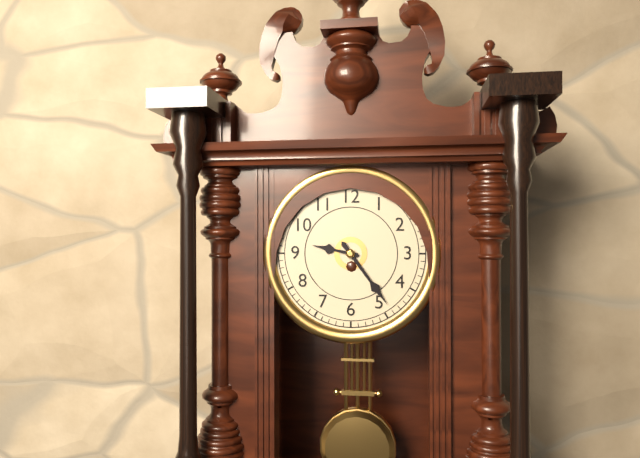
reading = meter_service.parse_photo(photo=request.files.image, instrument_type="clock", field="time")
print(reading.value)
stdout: 9:24
